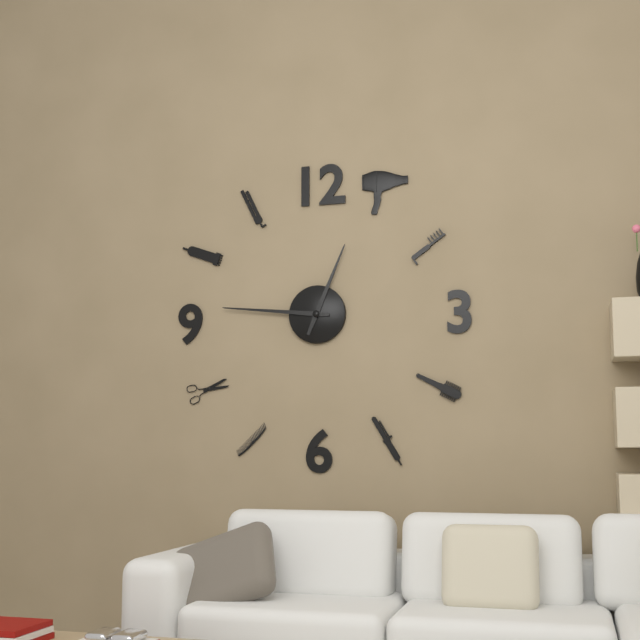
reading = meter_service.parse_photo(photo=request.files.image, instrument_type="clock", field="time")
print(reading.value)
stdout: 12:46
